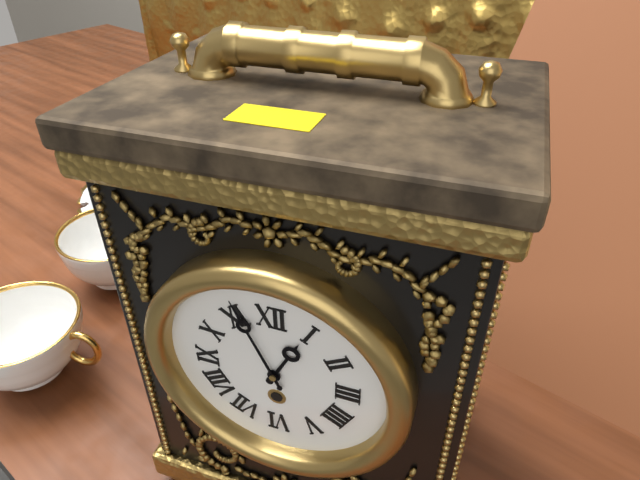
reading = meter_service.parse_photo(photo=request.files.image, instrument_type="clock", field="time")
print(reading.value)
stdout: 12:56
